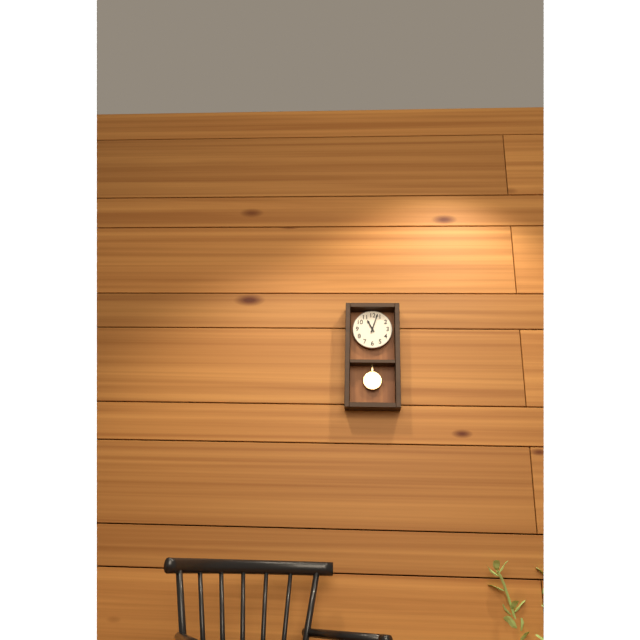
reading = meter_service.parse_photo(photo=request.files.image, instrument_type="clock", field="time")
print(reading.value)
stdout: 11:03
